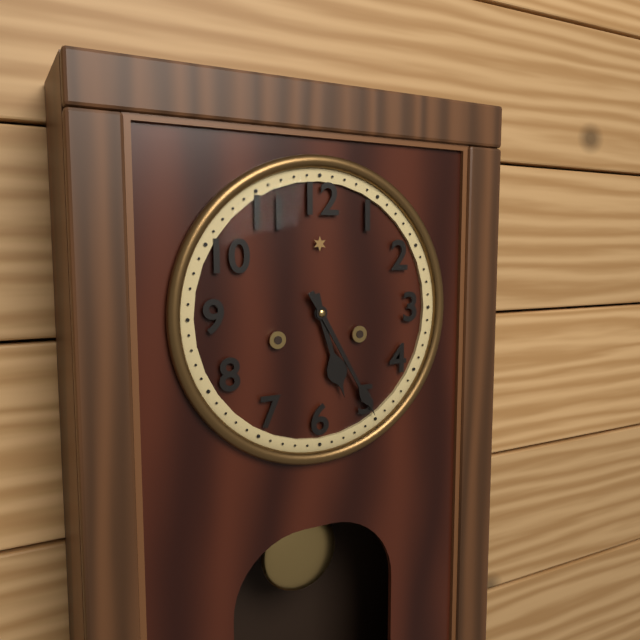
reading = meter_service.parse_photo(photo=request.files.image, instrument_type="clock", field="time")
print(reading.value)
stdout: 5:25
